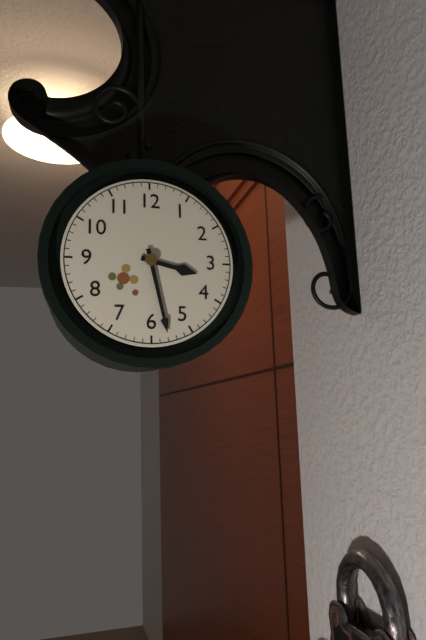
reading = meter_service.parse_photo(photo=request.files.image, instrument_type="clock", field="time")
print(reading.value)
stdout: 3:28
